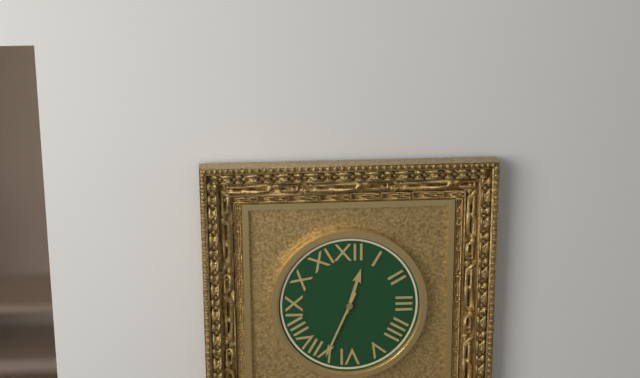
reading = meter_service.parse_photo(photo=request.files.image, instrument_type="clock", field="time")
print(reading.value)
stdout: 12:34
